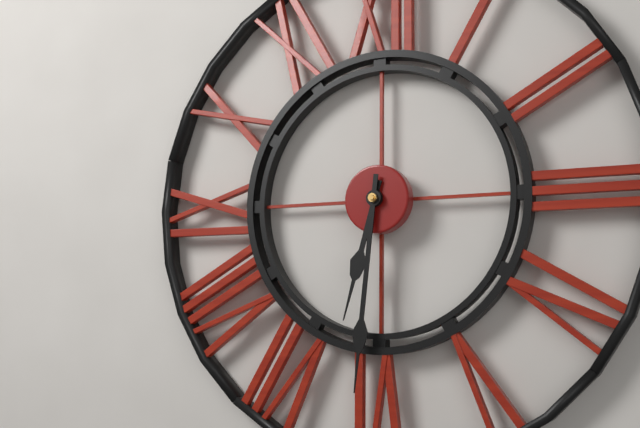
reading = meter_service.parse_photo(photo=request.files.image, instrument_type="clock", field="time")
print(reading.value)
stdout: 6:31
